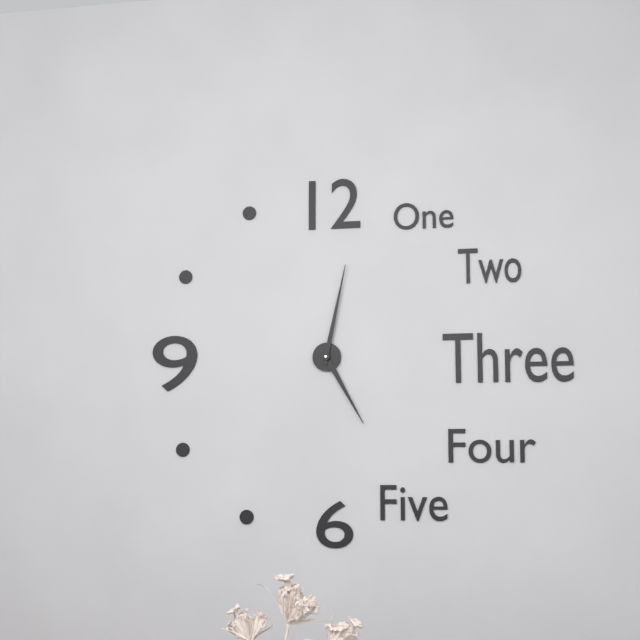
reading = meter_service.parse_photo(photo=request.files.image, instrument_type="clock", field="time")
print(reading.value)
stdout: 5:02
